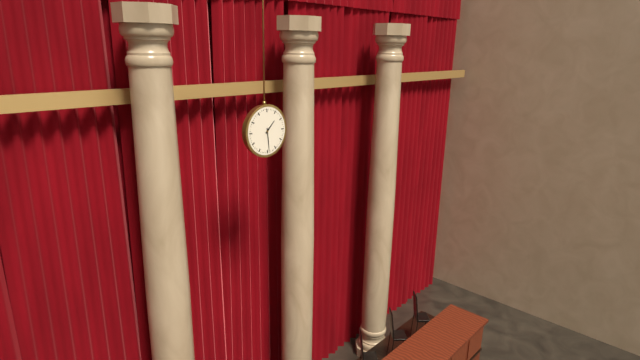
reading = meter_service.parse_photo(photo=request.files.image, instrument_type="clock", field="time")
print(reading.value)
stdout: 1:29
